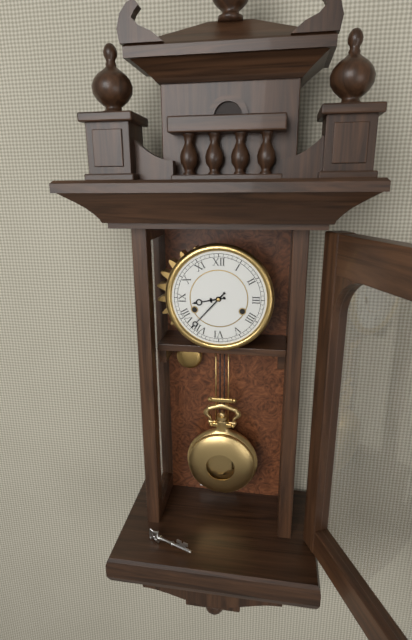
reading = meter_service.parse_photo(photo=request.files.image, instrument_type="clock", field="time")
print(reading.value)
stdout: 8:37
